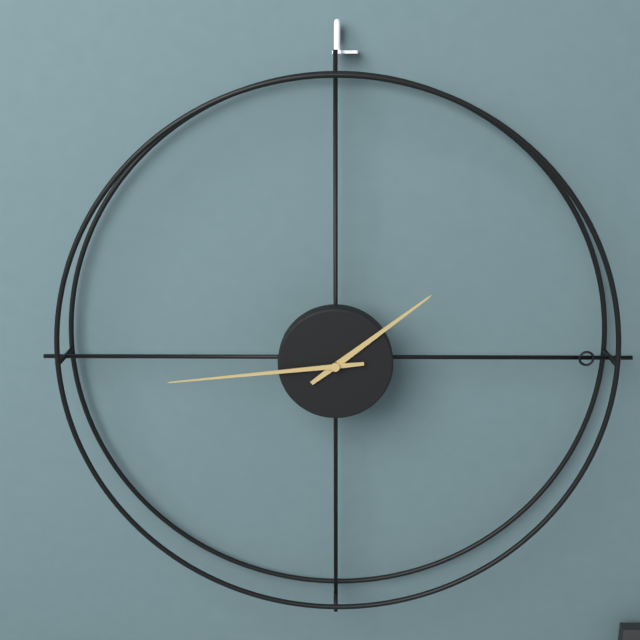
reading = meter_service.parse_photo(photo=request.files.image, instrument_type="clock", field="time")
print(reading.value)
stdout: 1:44
